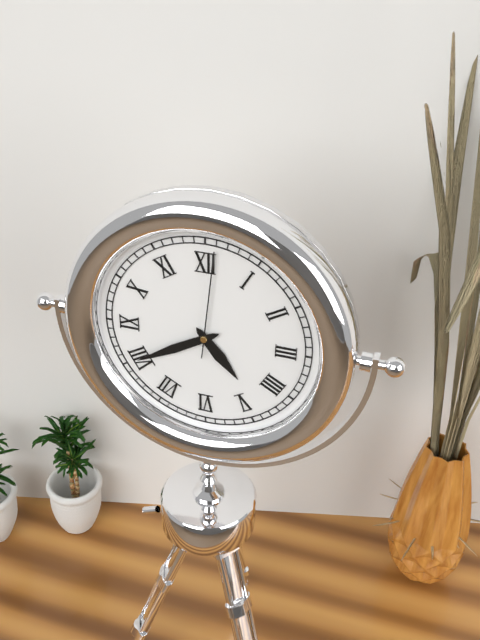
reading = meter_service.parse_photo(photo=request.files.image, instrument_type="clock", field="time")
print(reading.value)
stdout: 4:40:01
